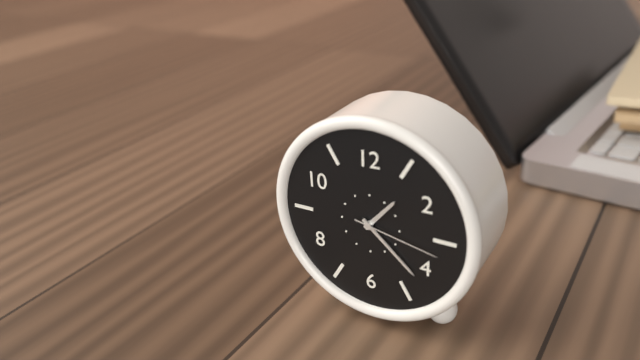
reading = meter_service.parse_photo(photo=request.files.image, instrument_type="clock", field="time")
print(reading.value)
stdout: 1:22:17
